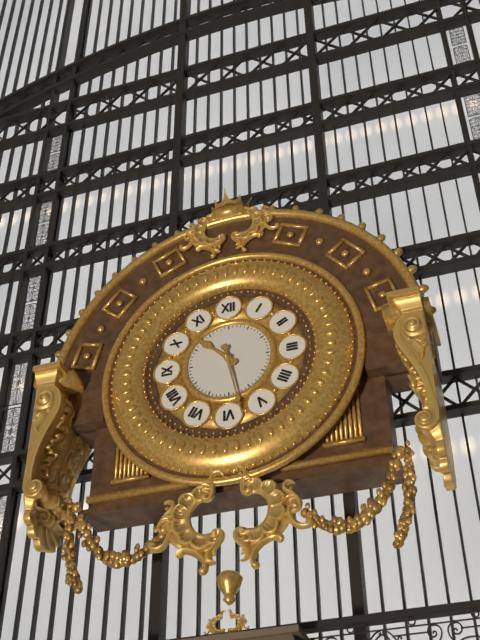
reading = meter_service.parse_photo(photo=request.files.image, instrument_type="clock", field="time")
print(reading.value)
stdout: 10:28
